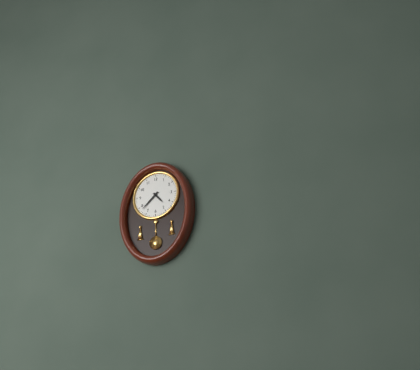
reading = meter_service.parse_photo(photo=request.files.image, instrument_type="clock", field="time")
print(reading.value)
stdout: 4:38
